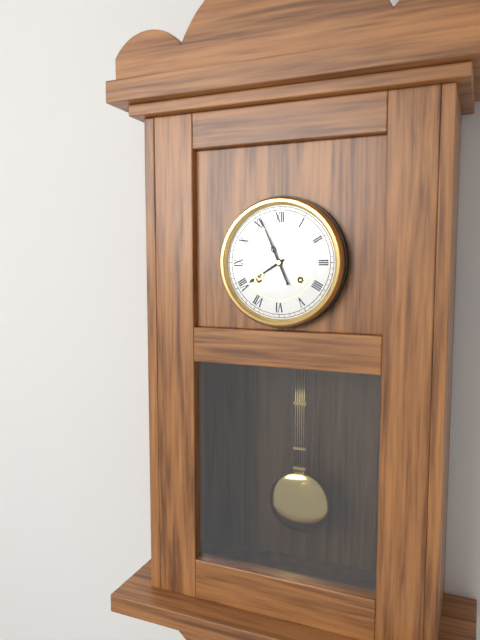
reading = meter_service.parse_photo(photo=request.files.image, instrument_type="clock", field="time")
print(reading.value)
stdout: 7:56
